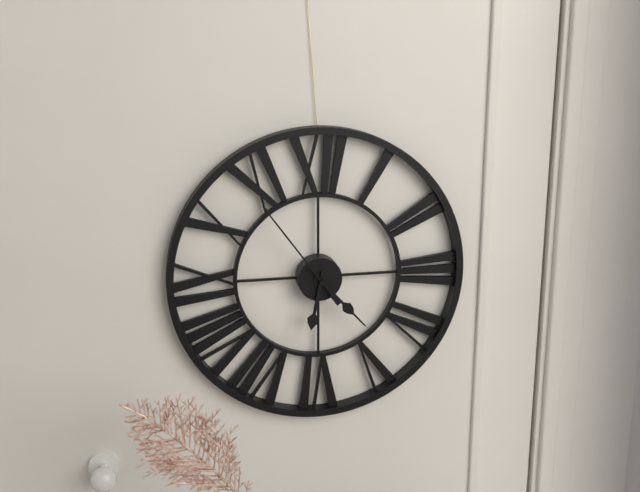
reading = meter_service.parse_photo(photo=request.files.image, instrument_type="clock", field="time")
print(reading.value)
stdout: 6:23:54
